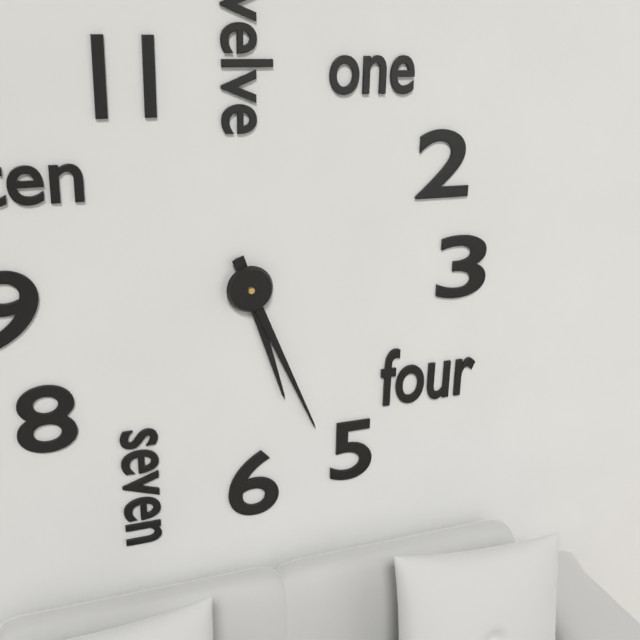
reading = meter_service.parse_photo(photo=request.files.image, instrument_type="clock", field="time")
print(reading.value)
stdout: 5:26
